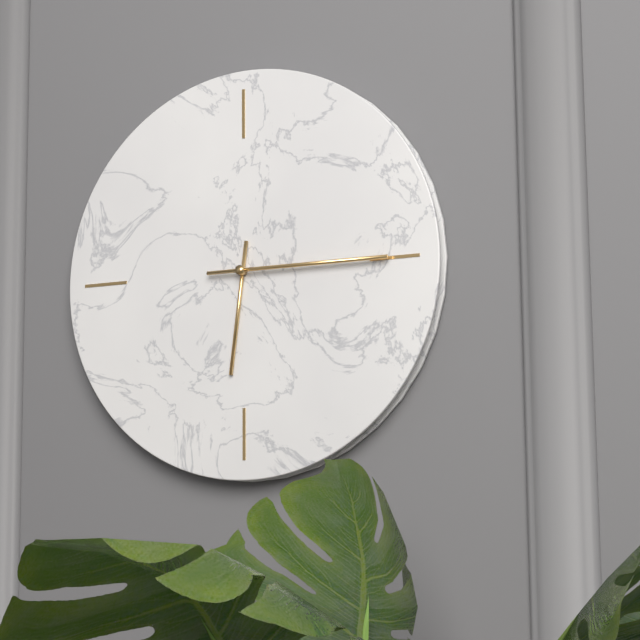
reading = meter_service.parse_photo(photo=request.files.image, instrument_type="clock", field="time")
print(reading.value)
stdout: 6:15
